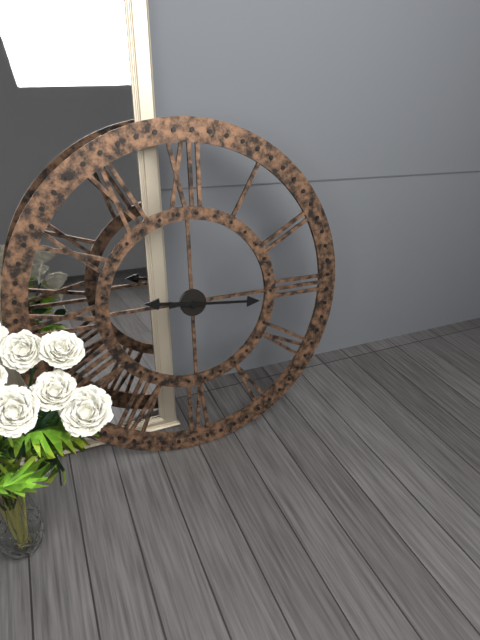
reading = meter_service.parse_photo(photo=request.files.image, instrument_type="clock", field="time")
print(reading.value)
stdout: 9:16
